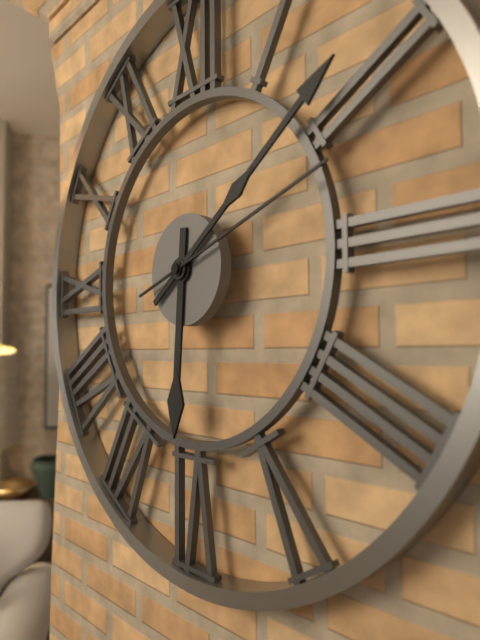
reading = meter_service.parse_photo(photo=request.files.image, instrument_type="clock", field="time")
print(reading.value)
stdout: 6:09:12
